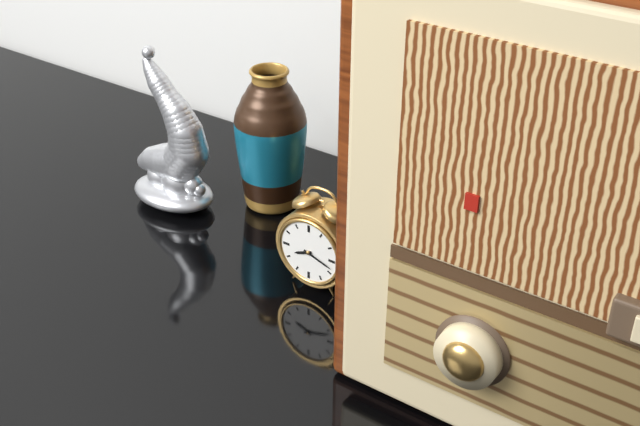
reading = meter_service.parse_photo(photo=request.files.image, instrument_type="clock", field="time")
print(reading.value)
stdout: 8:18
